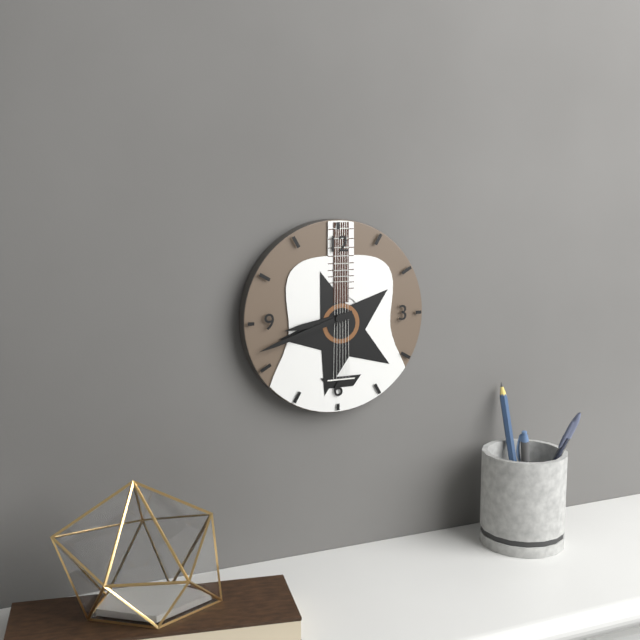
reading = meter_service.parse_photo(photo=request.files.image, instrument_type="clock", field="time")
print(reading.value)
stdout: 8:42
